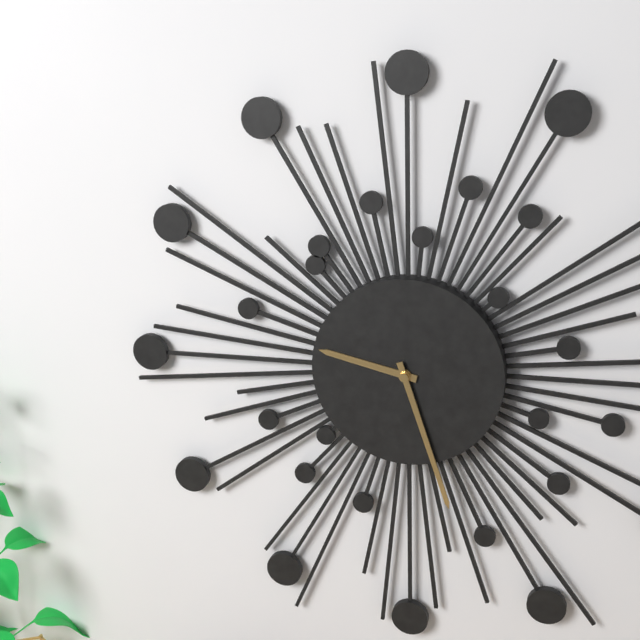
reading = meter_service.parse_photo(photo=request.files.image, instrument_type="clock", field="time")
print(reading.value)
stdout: 9:27
